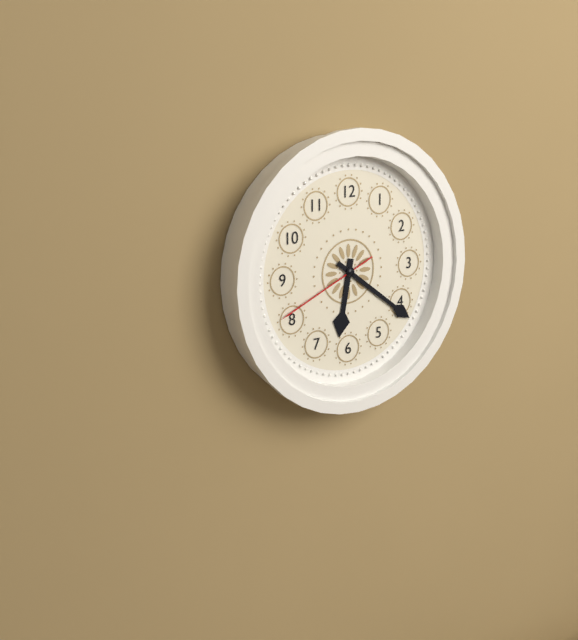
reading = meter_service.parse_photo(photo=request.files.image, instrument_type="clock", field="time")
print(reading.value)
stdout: 6:21:41
